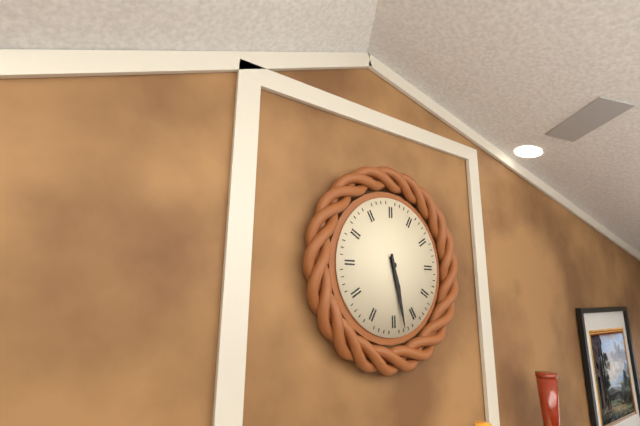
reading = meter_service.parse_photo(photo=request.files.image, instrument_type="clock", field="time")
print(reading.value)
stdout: 5:28
